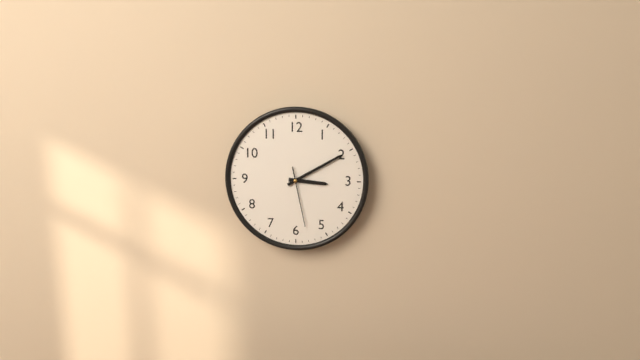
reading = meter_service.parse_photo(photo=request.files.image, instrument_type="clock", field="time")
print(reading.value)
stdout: 3:10:28
